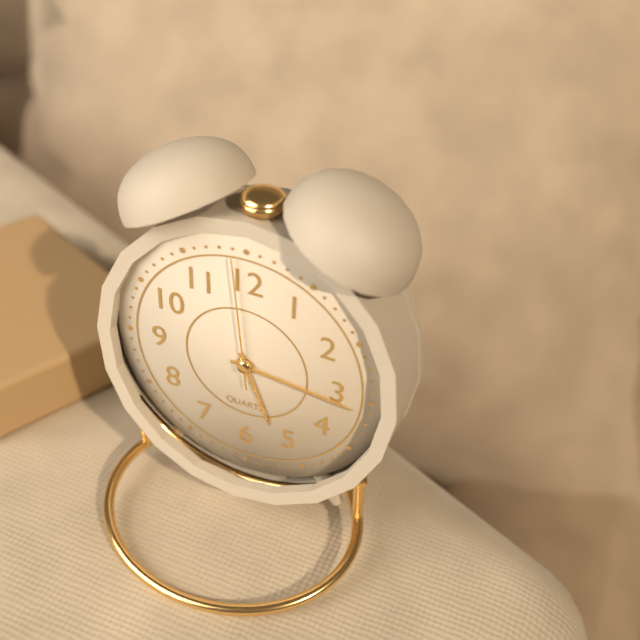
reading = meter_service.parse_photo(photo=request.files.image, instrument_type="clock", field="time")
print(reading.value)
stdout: 5:16:59
